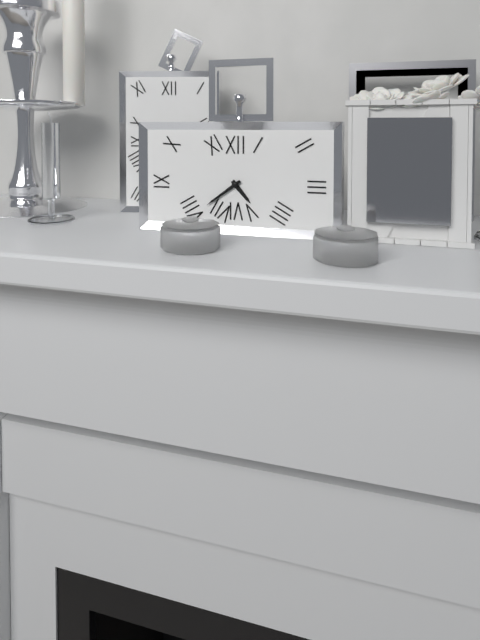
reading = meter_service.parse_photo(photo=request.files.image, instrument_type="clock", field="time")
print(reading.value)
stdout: 4:39
